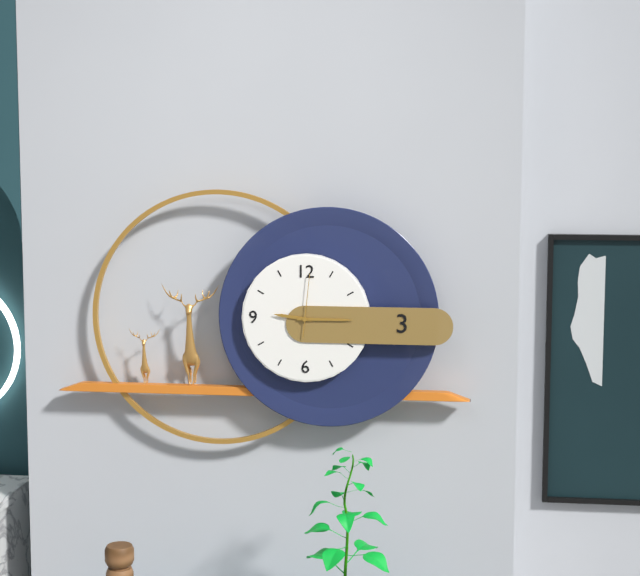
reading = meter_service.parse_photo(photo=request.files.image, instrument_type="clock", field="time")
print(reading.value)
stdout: 9:15:01
